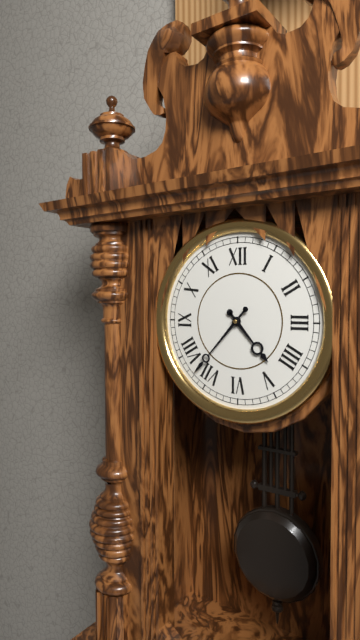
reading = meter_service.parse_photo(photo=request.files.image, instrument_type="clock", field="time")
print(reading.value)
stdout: 4:37
